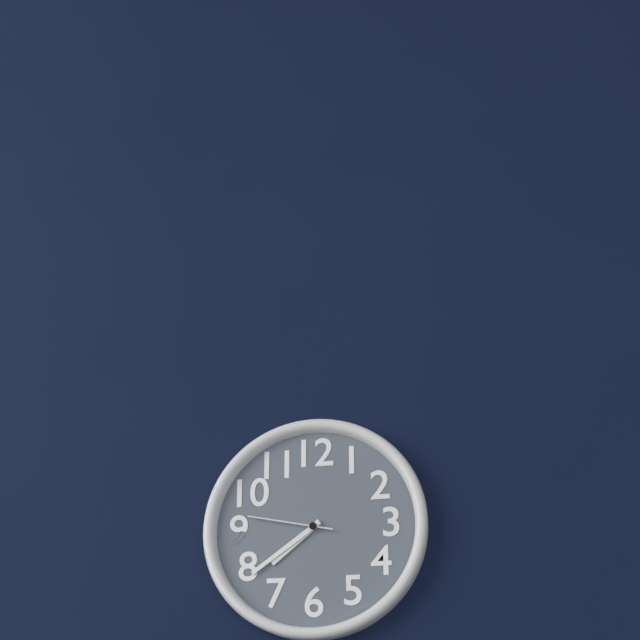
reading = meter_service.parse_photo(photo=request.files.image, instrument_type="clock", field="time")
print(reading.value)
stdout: 7:39:47
